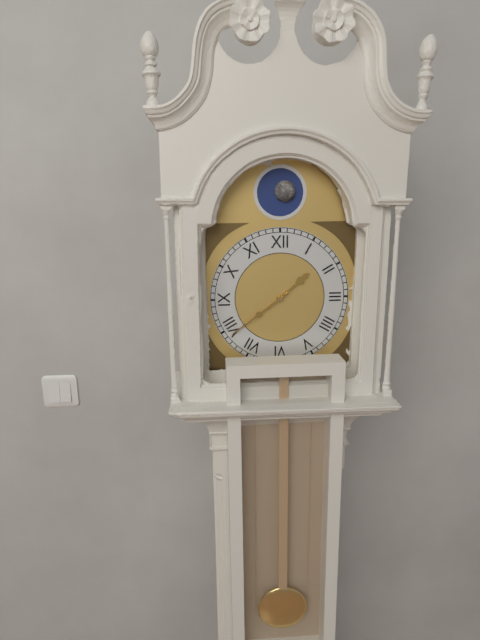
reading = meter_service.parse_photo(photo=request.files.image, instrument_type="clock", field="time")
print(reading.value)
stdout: 1:39
